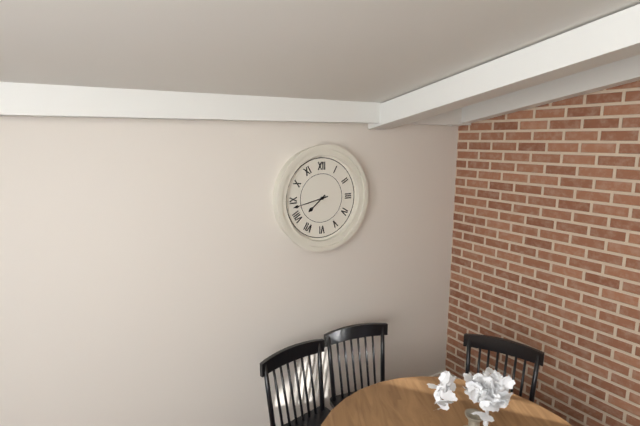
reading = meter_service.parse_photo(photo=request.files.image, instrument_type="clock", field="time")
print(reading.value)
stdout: 7:43
